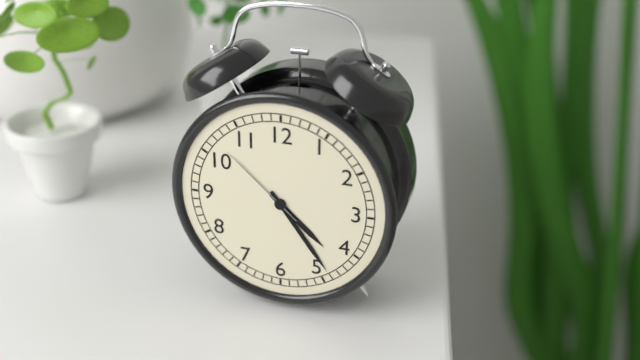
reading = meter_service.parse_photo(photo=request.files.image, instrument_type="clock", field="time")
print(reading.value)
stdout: 4:24:52
